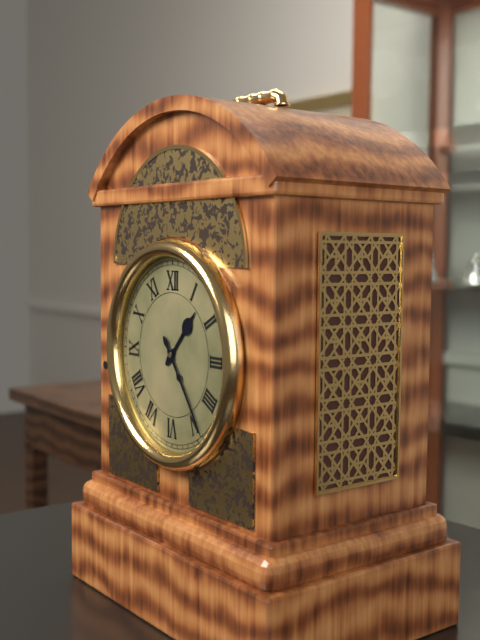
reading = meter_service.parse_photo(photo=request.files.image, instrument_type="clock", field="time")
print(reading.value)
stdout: 1:24
